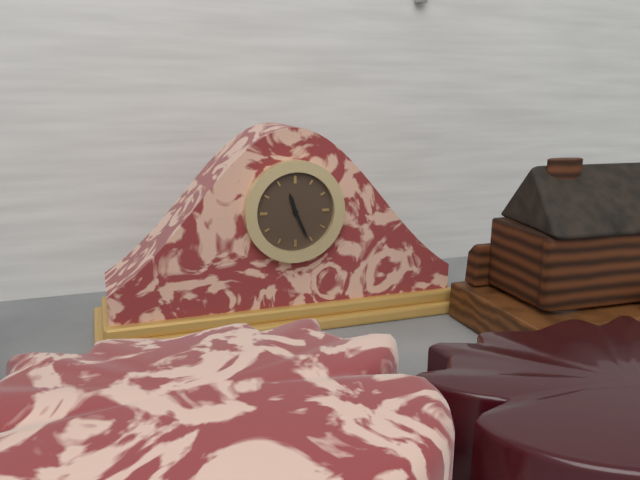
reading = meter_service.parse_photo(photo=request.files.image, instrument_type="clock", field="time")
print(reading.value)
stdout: 11:26
